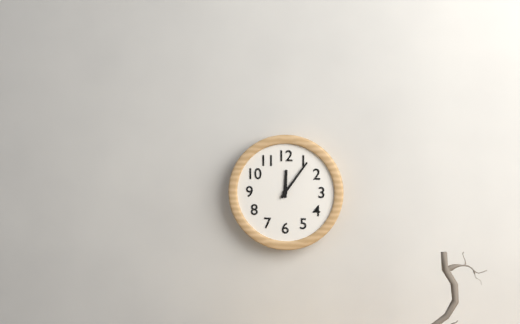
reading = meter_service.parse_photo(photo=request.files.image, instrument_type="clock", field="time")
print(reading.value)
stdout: 12:06
